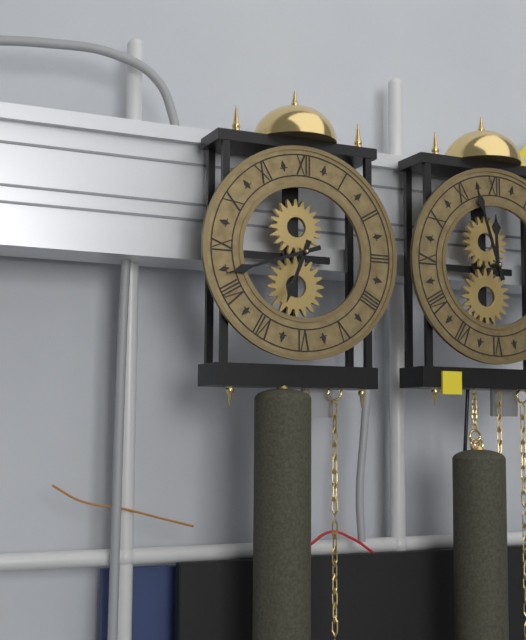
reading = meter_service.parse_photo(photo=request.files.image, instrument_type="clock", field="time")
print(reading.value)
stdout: 6:42
